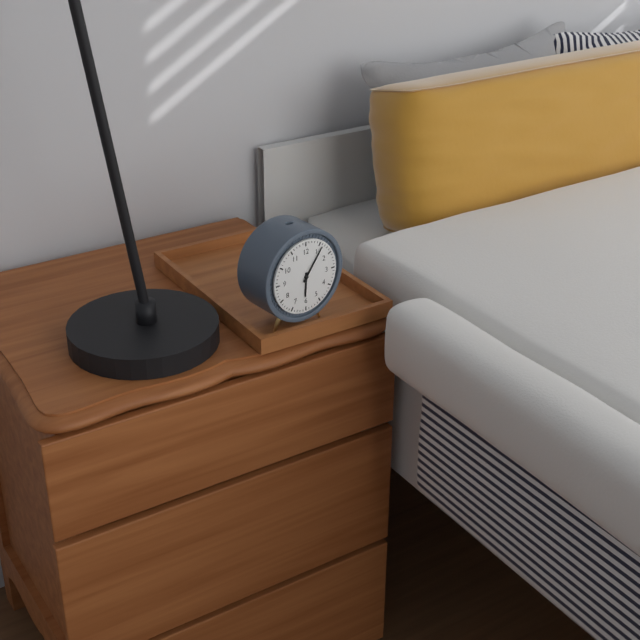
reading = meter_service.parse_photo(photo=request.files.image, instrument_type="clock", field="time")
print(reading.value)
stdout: 6:06
